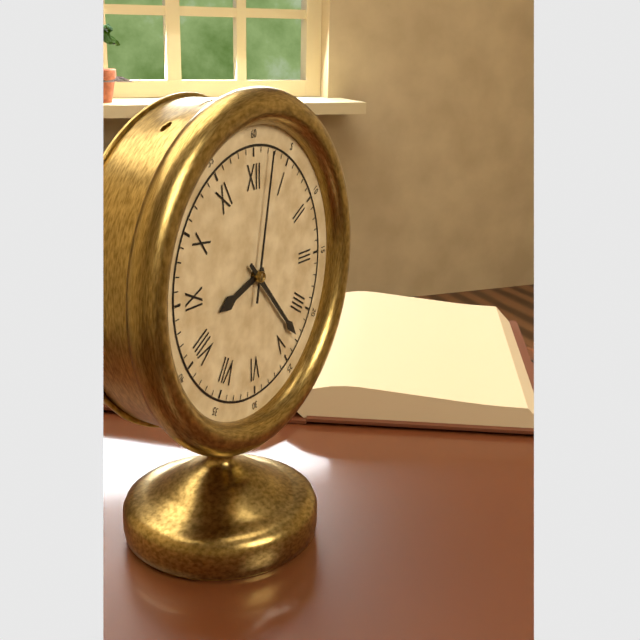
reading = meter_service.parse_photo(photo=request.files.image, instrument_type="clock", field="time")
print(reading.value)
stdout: 8:23:02
